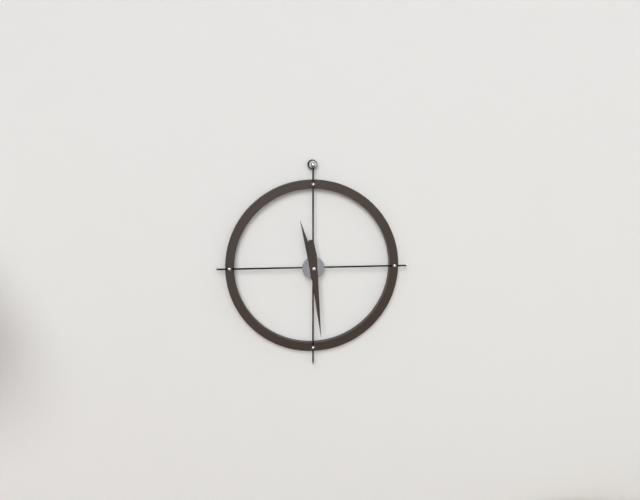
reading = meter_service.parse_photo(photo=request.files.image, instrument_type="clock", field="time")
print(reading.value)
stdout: 11:29
